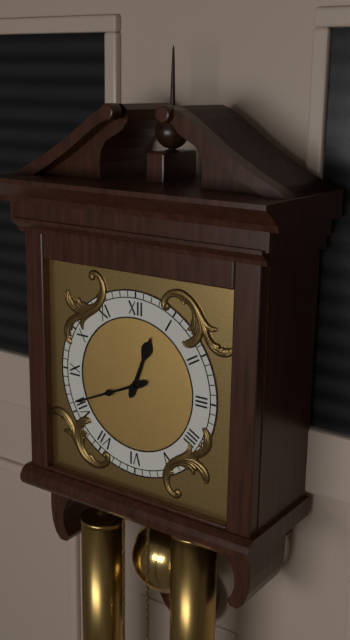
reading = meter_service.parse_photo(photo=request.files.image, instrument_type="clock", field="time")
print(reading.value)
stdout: 12:41
